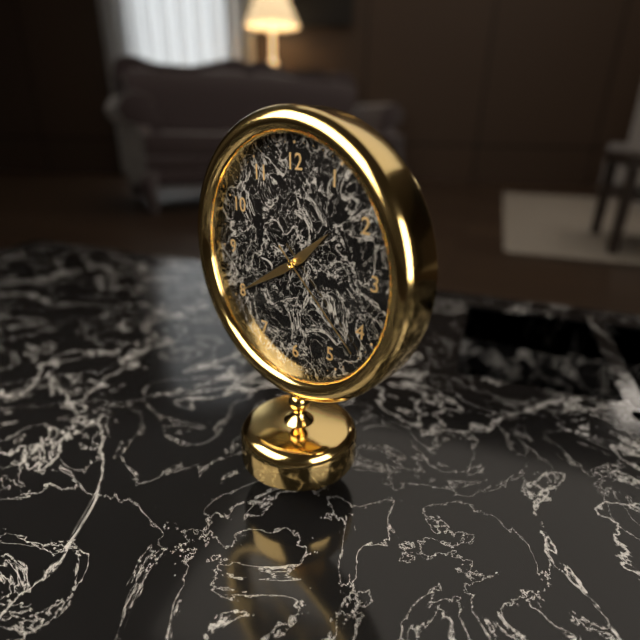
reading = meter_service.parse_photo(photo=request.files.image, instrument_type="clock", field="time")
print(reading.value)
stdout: 1:40:22
